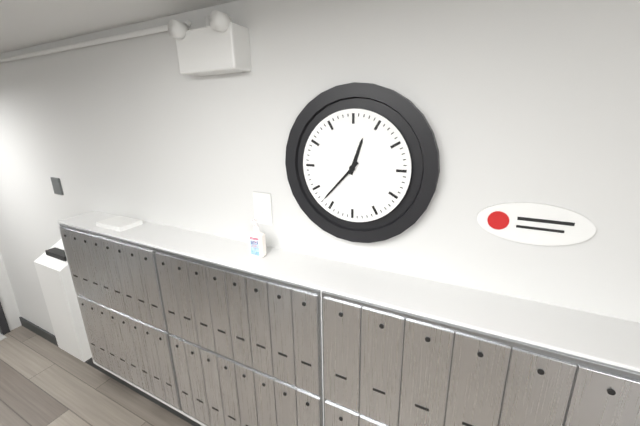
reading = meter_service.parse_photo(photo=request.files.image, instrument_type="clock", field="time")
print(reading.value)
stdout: 12:37
